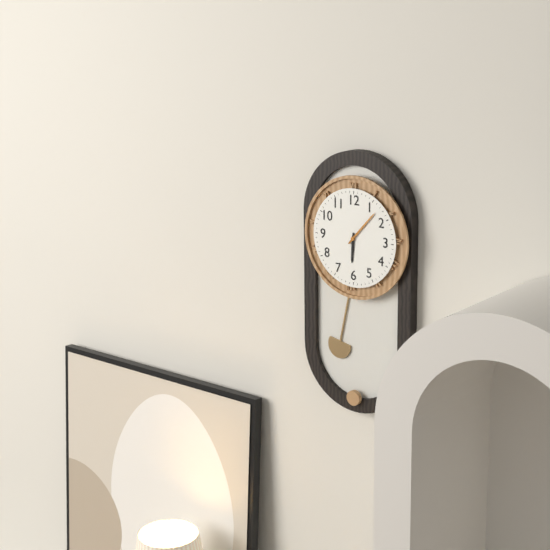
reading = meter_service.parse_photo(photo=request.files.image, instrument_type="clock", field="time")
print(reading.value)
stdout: 6:07
